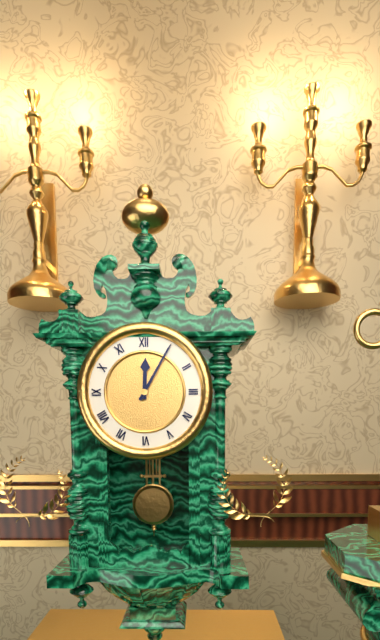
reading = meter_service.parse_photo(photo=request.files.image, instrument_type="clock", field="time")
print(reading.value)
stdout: 12:05
